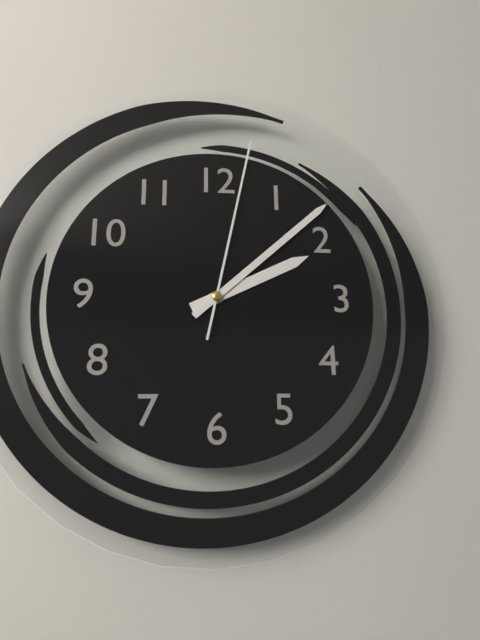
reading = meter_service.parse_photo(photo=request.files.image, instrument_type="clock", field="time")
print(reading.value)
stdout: 2:08:02
